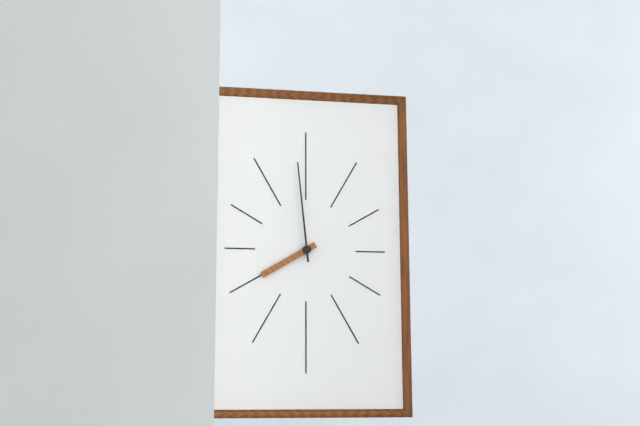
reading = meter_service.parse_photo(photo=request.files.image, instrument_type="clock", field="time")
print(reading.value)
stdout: 7:59
